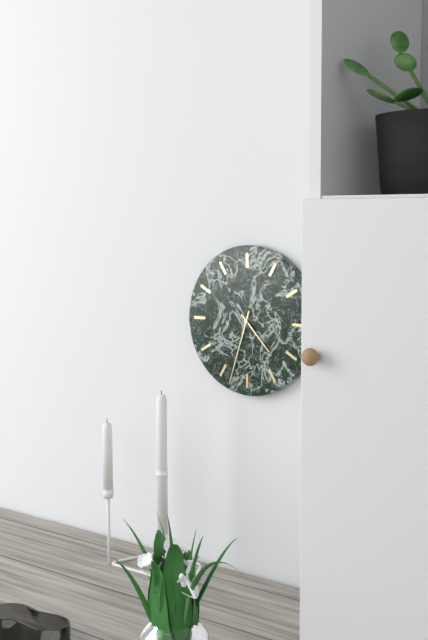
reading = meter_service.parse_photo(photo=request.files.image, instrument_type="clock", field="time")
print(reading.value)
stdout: 4:33
